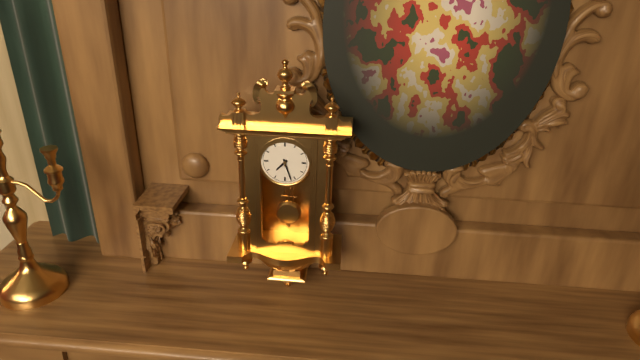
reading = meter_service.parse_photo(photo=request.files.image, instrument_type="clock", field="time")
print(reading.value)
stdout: 7:27
